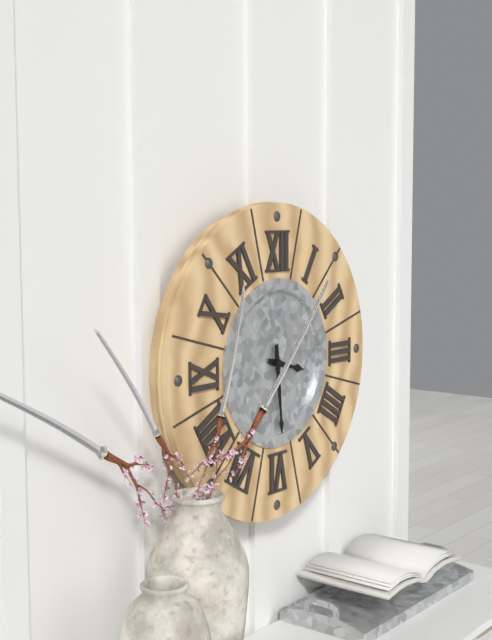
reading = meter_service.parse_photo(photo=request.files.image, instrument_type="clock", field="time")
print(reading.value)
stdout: 3:29
